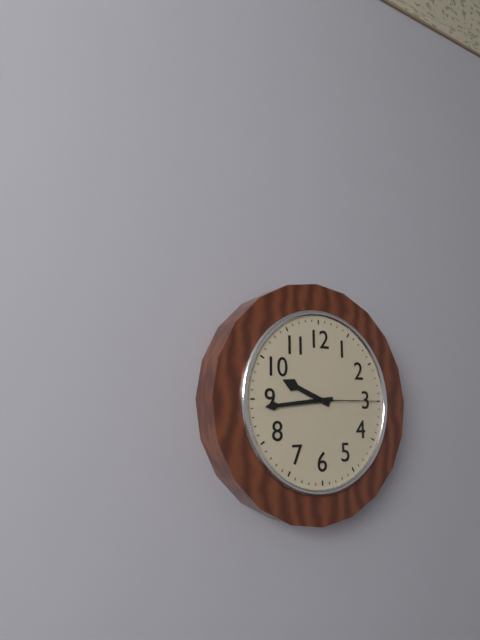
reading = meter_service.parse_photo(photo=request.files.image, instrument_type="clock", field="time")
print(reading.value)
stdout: 9:44:15
